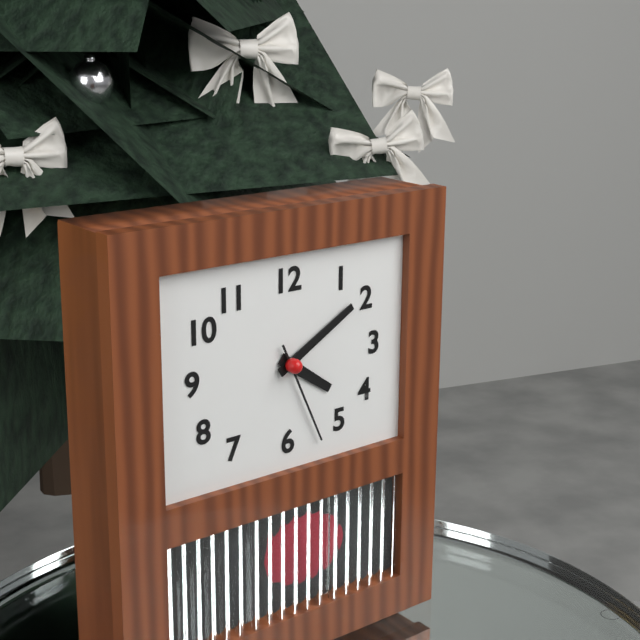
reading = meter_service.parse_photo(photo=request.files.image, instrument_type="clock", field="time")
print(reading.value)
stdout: 4:10:26
